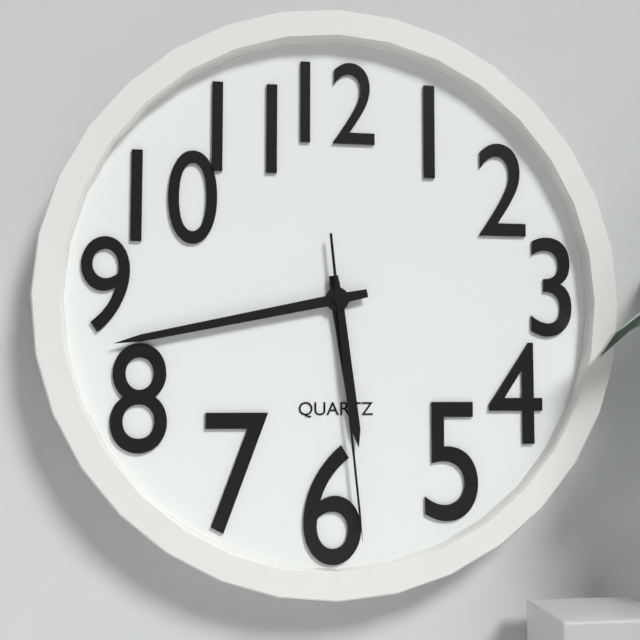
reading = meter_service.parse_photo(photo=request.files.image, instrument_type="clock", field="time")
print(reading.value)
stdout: 5:43:29
